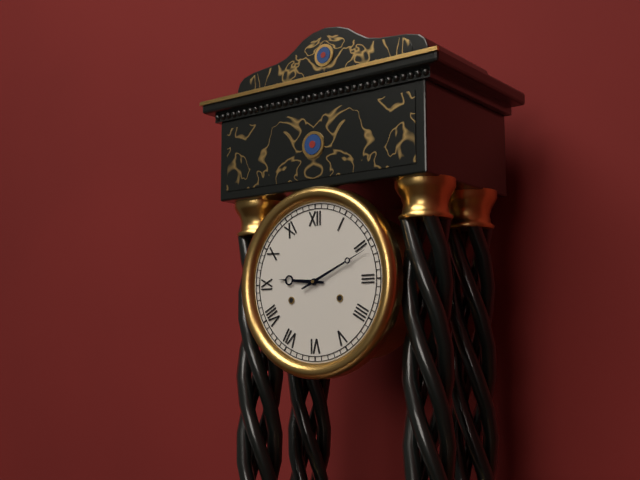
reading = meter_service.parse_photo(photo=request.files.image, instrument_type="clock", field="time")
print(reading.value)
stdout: 9:11
